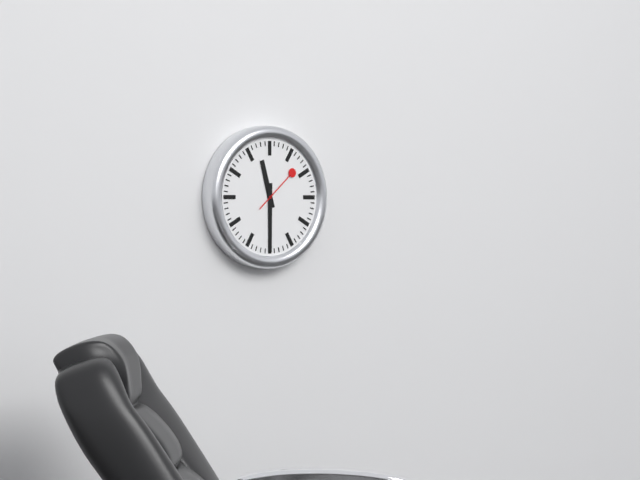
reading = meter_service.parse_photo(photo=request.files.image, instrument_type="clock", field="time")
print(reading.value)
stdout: 11:30
